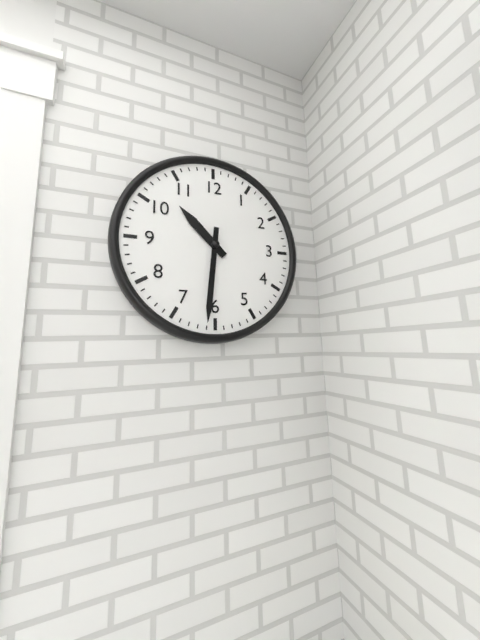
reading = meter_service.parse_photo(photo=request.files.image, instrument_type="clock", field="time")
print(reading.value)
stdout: 10:31
